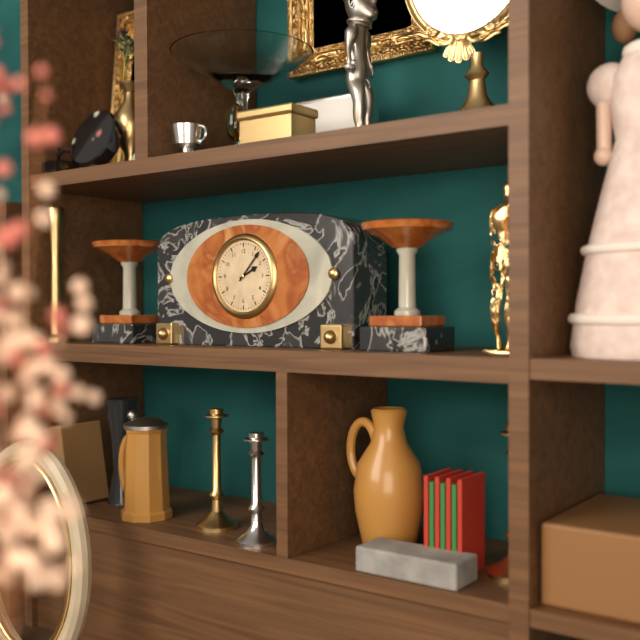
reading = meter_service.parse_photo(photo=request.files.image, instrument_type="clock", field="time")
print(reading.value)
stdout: 2:07
